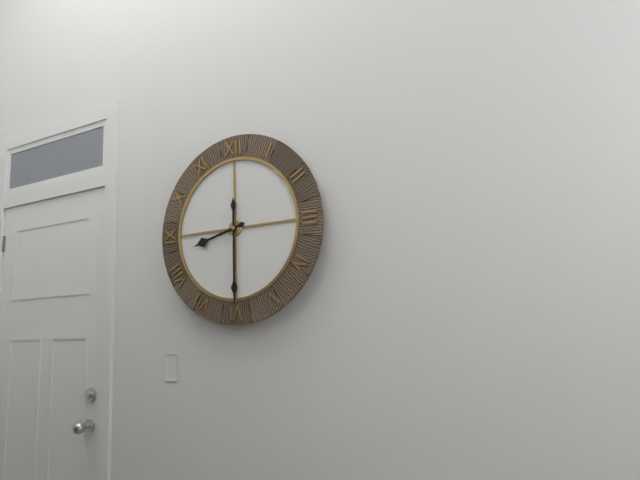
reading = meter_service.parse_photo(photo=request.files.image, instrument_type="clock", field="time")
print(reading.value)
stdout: 8:30
